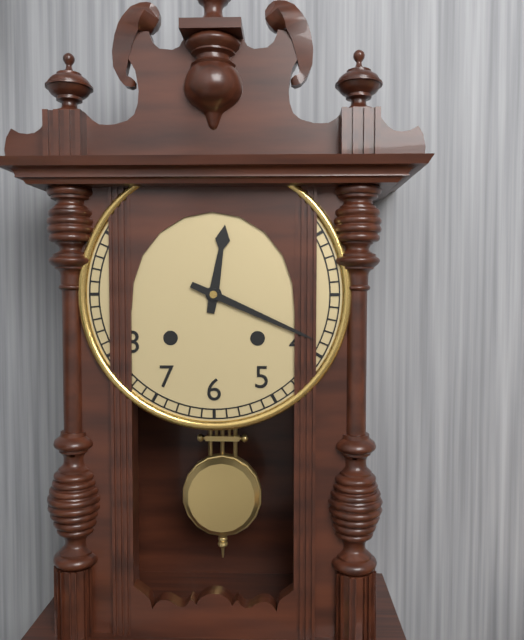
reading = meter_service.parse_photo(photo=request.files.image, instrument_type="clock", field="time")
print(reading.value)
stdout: 12:19
